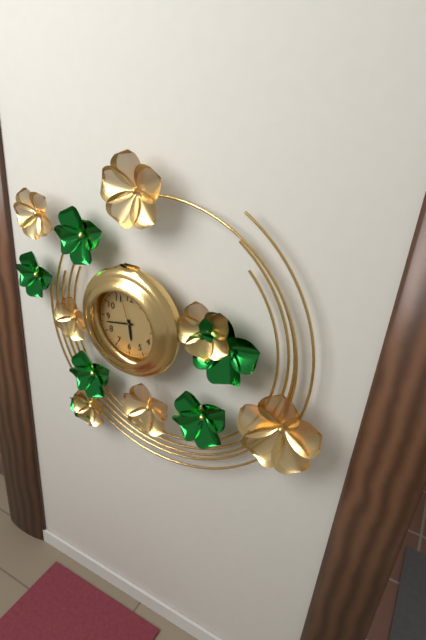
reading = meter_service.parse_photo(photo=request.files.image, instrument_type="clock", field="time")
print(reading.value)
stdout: 5:43
